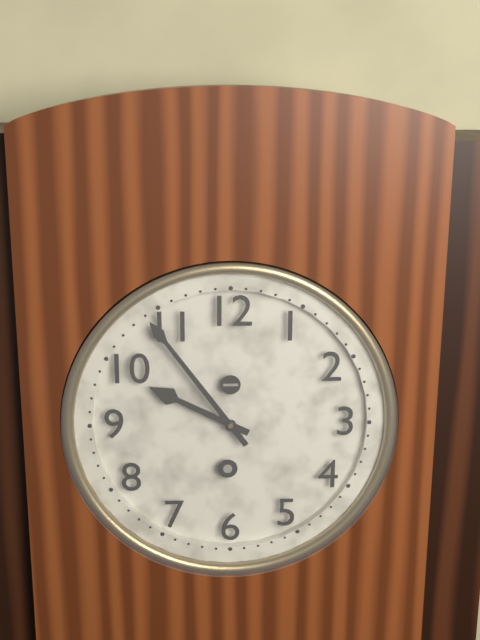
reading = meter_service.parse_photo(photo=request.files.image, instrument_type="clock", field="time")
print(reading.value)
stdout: 9:54
